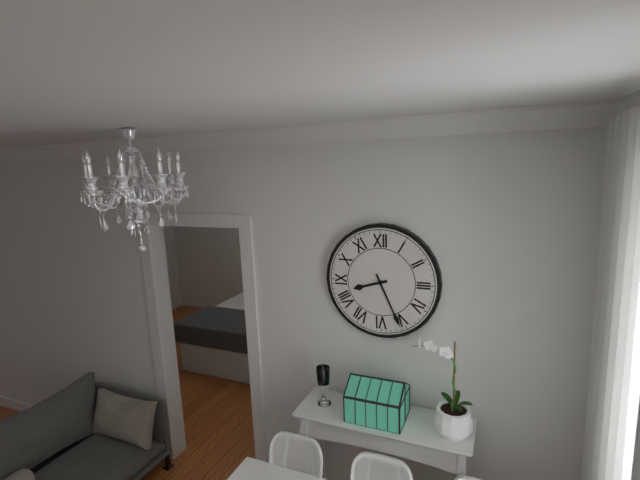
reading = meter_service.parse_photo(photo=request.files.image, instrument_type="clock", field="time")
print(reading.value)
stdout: 8:26
